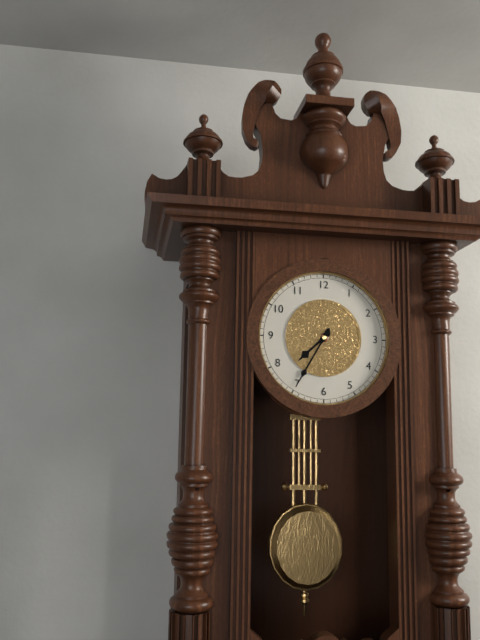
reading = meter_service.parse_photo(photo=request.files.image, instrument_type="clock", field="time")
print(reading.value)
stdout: 7:35
